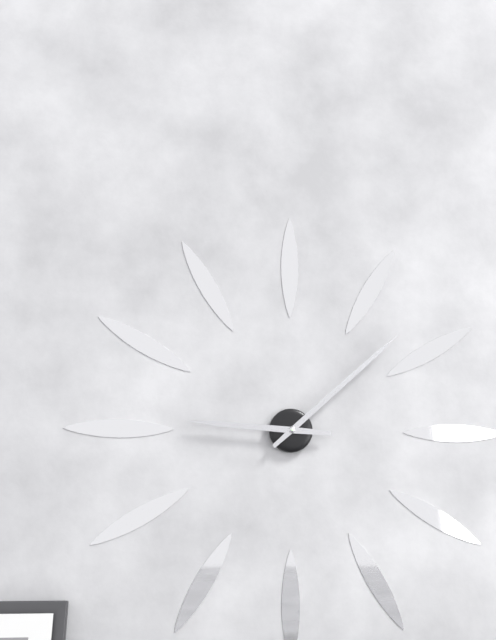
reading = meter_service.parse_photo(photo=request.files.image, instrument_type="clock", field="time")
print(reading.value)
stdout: 9:08
